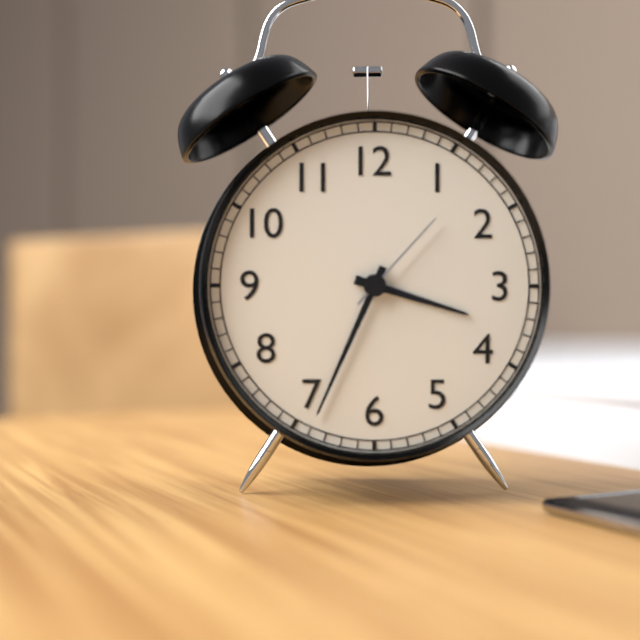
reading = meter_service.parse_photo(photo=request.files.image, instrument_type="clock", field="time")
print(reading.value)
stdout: 3:34:07
